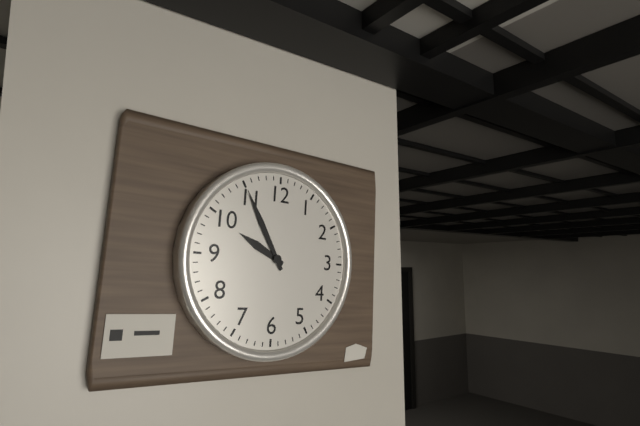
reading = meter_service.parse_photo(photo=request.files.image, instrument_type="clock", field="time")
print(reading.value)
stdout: 9:55
